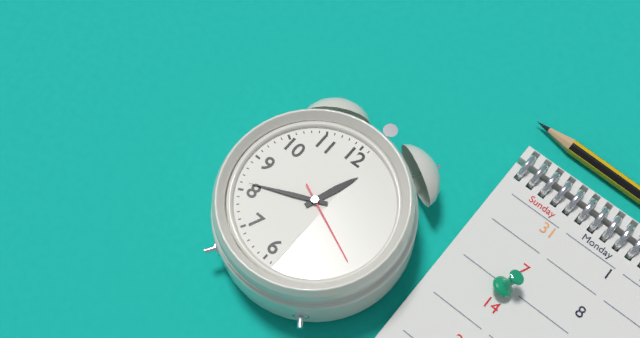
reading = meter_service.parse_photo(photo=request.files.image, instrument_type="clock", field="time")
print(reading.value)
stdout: 12:41:19
